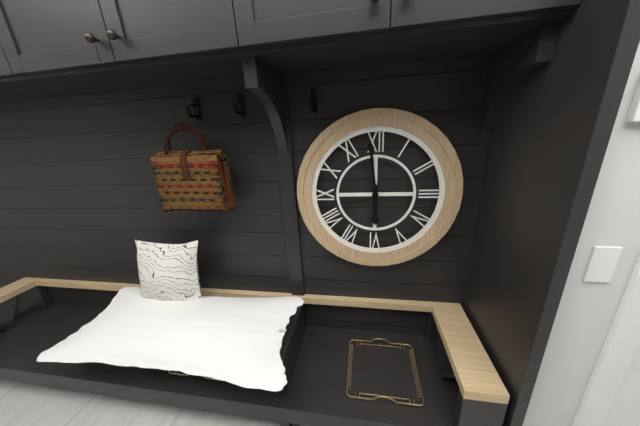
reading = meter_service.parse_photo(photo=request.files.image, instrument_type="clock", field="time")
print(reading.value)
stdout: 5:59
